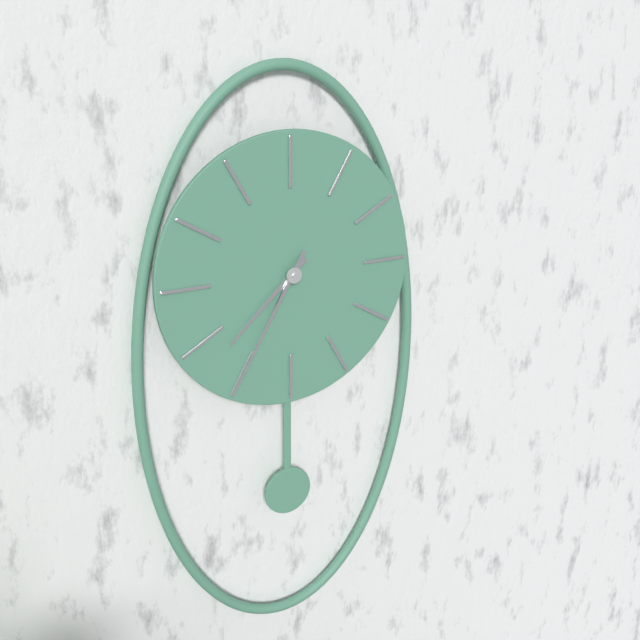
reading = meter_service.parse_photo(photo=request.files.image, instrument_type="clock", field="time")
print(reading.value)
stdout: 7:35
